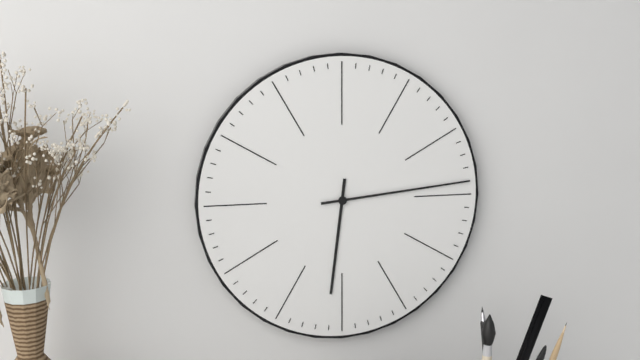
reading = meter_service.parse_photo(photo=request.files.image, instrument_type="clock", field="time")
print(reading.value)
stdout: 6:14
